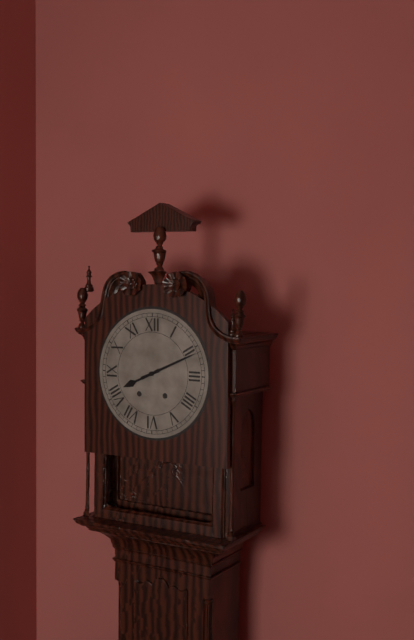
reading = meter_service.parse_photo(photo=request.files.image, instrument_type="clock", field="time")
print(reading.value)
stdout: 8:11
